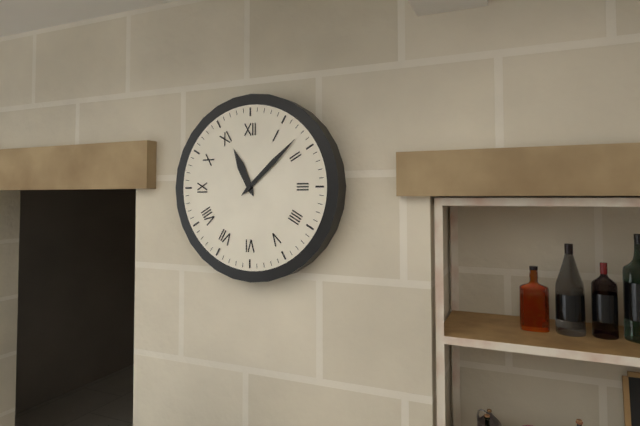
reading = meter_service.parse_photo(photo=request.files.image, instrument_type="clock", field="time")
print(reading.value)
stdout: 11:08
